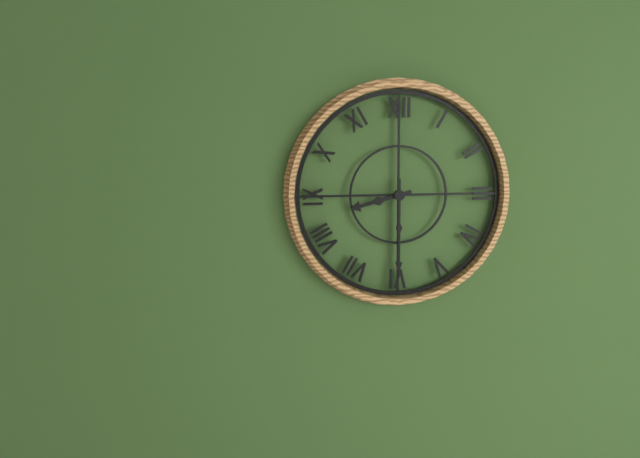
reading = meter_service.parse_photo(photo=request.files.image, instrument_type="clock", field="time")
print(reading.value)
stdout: 8:30
